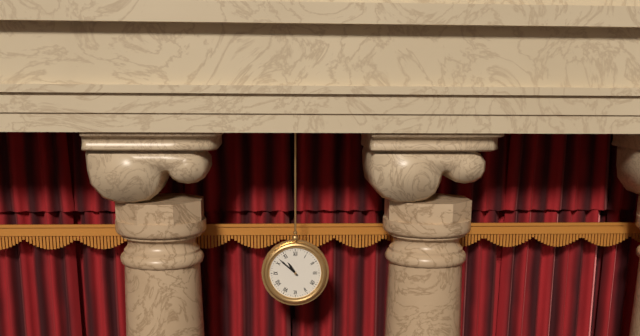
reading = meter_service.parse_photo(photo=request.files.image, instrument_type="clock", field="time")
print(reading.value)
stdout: 10:52
